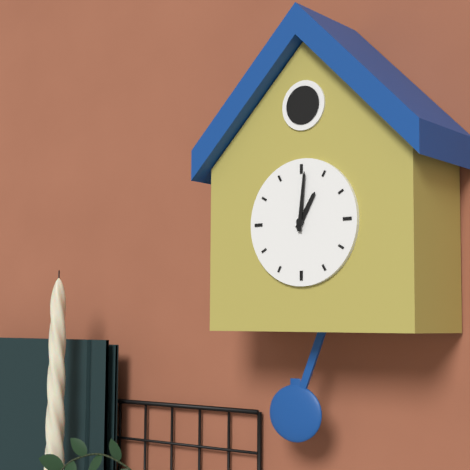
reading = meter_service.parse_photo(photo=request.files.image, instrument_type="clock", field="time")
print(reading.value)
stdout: 1:01
